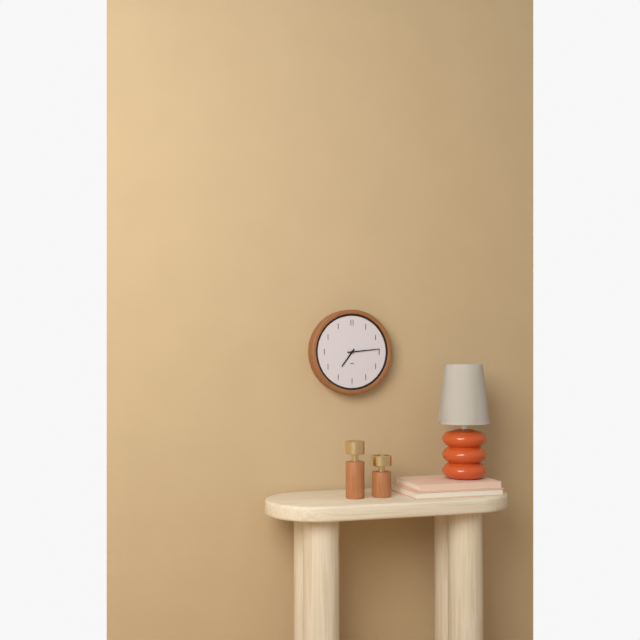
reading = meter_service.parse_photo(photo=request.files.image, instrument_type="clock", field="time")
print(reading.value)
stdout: 7:14
